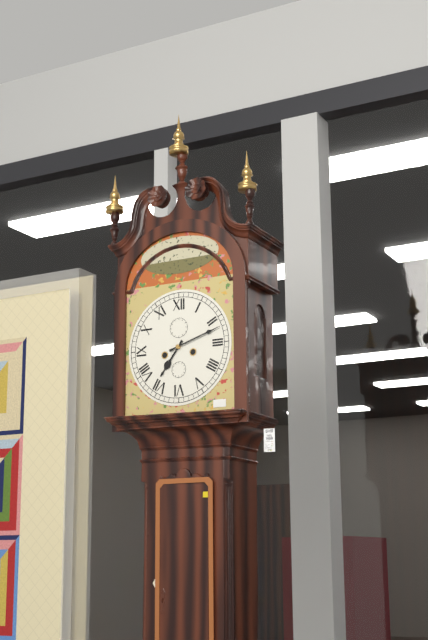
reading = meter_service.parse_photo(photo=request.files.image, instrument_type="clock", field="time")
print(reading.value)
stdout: 7:12
